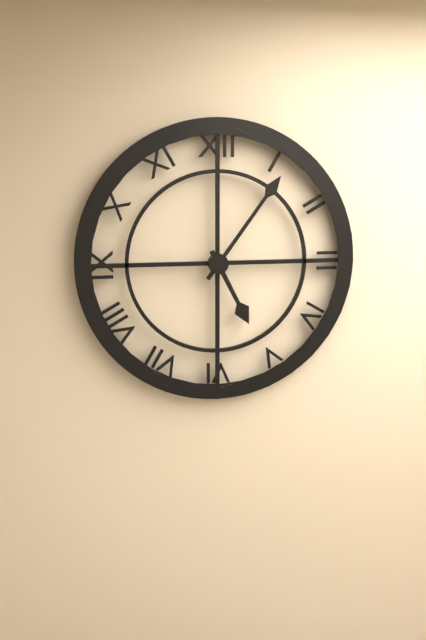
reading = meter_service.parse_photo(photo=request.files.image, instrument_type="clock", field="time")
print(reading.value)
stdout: 5:06
